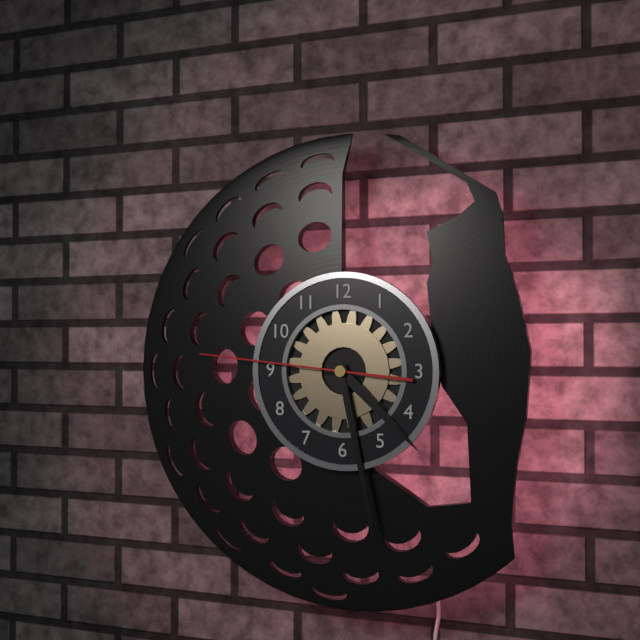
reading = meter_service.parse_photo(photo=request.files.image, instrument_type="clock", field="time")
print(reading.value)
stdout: 4:28:46
